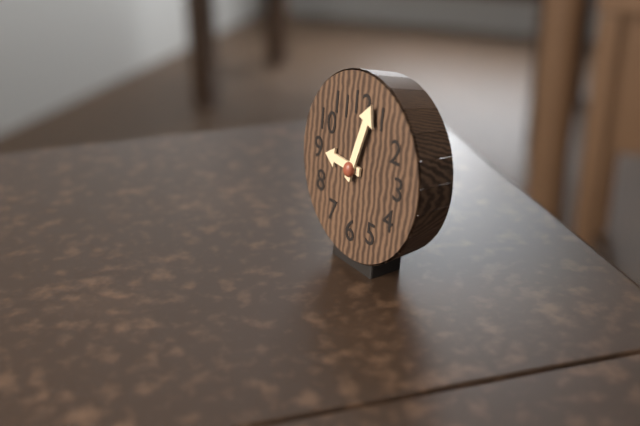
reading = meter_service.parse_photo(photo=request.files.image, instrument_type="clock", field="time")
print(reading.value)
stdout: 9:03
